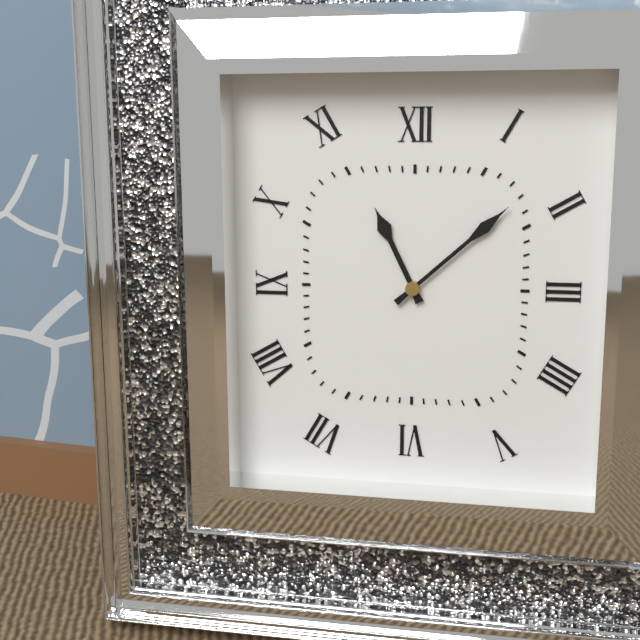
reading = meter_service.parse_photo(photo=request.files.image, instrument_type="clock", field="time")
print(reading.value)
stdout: 11:08
